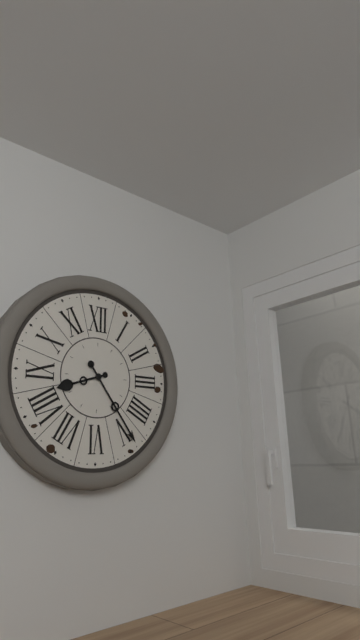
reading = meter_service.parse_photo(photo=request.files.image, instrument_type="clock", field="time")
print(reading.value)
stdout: 8:24
